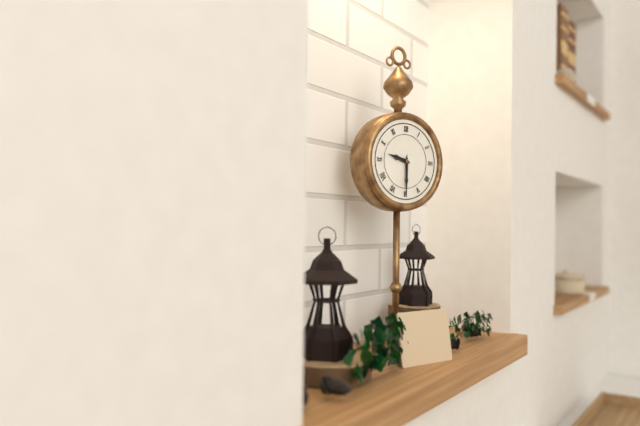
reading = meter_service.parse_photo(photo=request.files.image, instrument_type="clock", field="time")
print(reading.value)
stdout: 9:30
